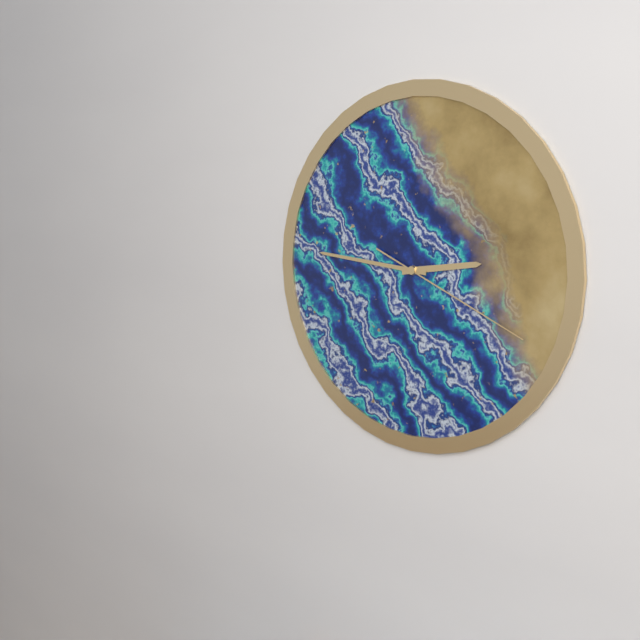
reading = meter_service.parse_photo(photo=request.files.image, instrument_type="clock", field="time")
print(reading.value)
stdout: 2:46:19
